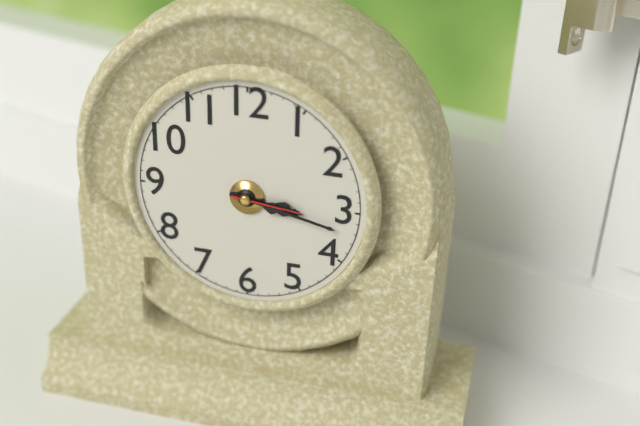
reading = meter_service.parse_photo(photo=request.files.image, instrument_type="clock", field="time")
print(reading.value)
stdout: 3:17:16
